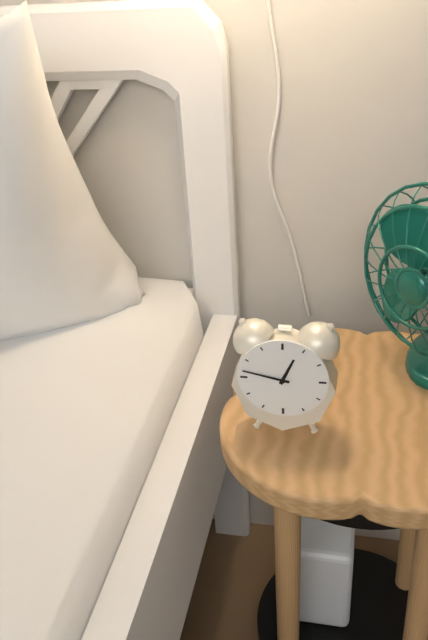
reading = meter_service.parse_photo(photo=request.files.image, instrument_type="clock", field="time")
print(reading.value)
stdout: 12:47
